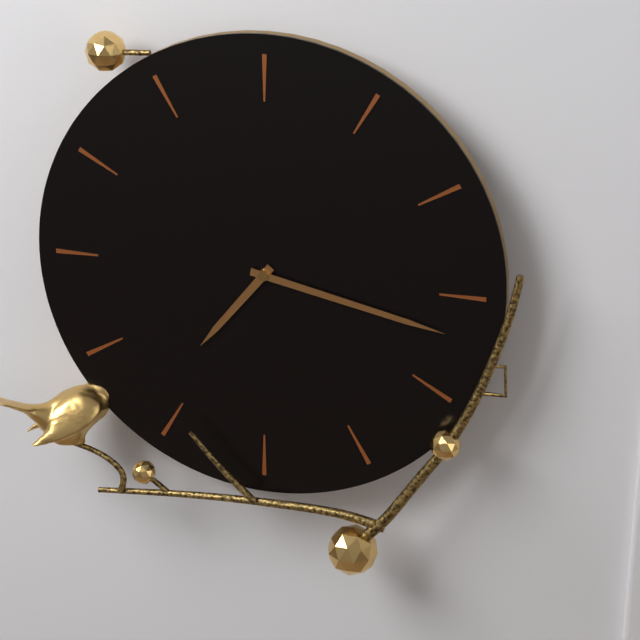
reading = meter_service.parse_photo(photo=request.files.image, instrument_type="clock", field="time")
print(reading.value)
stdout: 7:17
